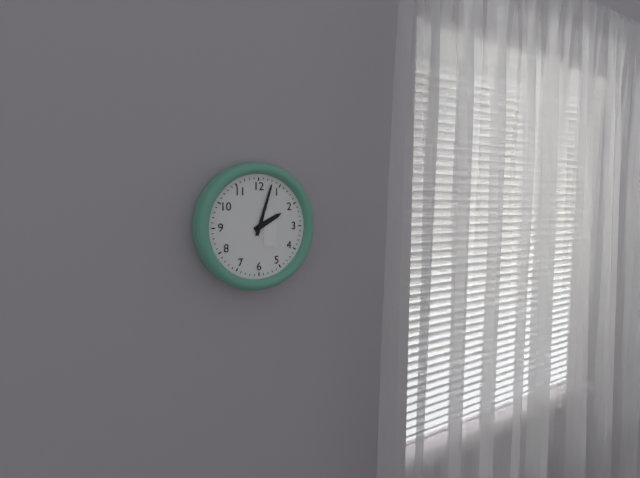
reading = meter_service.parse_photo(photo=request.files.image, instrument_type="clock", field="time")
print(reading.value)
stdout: 2:03
